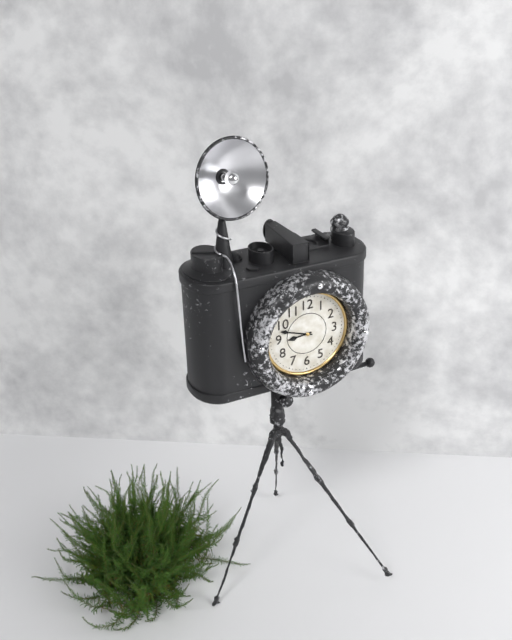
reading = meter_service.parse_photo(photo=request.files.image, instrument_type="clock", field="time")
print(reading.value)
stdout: 8:48
